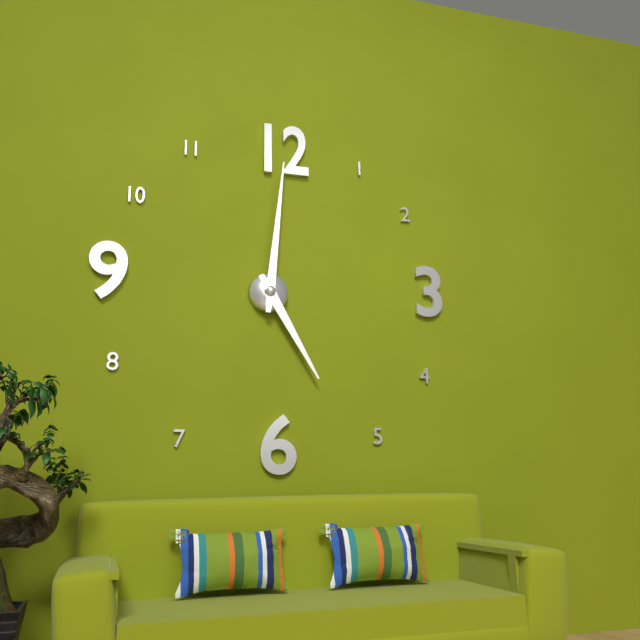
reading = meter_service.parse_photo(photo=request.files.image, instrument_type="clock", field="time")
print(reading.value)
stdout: 5:01
